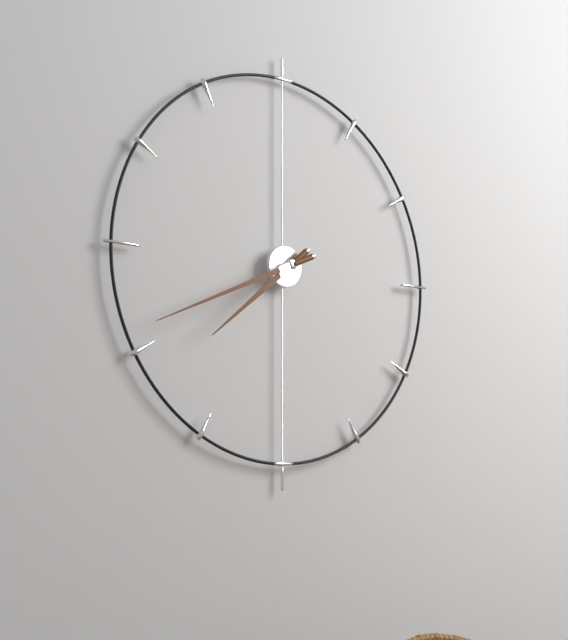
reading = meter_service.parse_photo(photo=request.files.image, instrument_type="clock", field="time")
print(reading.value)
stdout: 7:41
